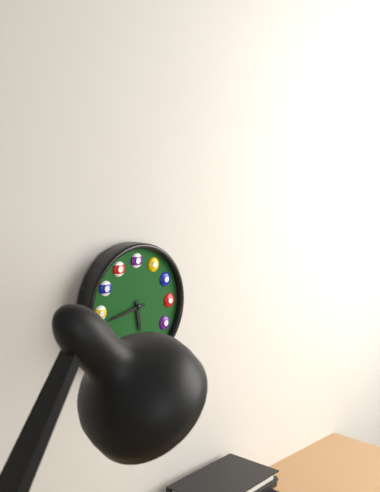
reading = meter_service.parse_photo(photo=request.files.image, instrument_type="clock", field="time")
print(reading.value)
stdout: 5:43
